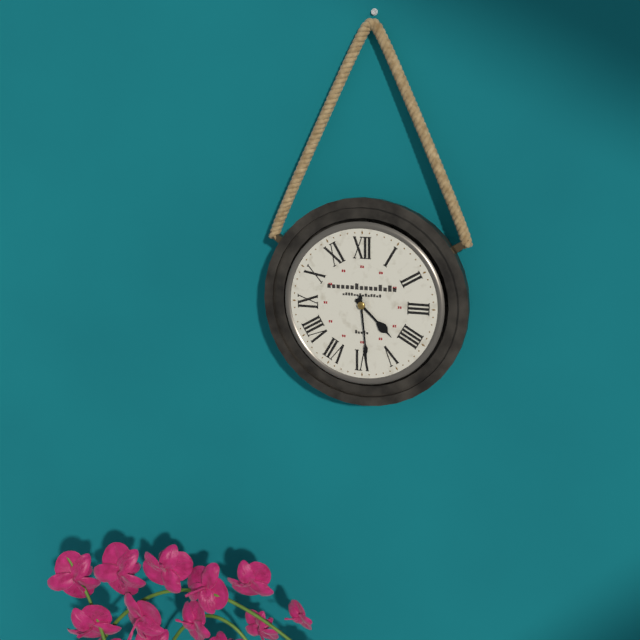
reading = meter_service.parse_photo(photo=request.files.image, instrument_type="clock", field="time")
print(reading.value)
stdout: 4:29
